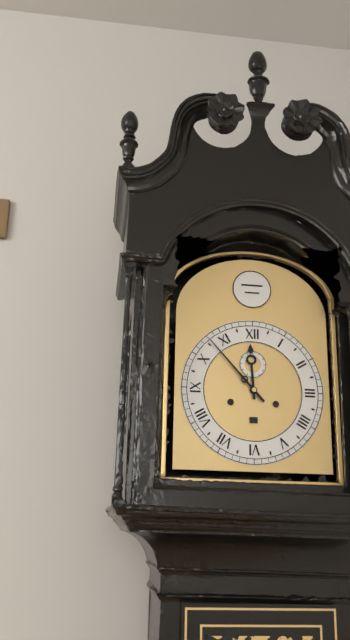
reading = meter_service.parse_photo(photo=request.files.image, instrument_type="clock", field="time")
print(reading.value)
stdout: 11:53
